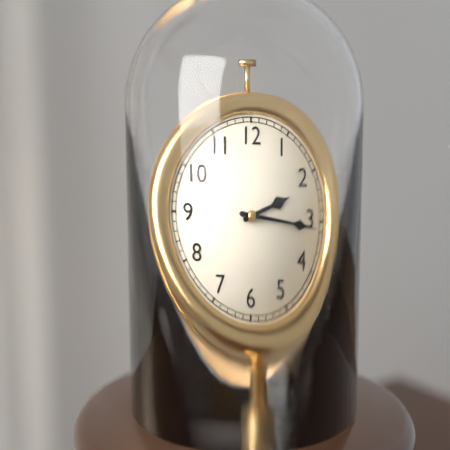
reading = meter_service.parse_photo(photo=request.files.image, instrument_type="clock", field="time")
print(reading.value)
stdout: 2:16
